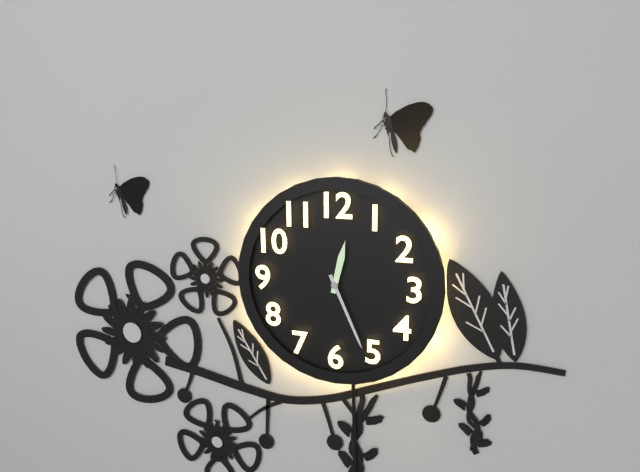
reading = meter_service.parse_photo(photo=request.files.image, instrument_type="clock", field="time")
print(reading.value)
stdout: 12:26
